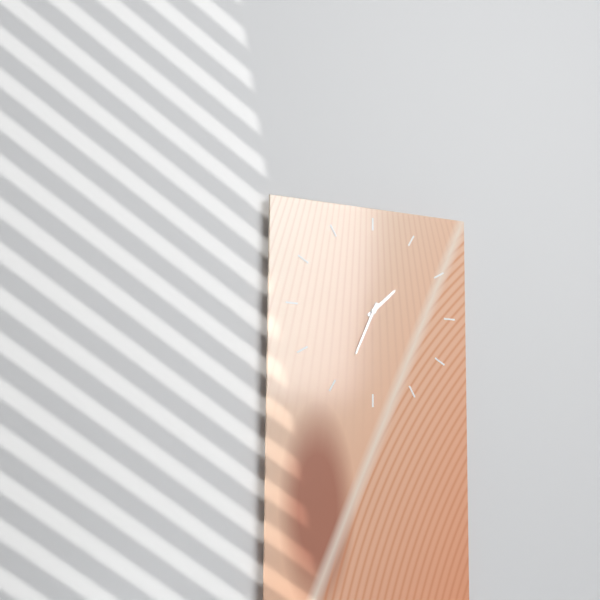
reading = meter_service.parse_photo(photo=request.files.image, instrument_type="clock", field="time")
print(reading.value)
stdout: 1:34
